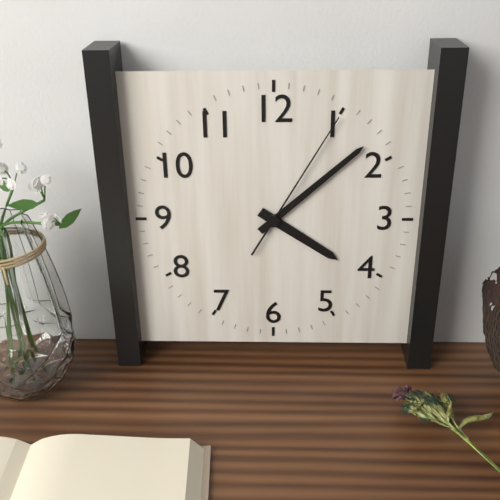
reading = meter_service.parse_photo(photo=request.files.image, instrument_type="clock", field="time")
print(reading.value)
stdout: 4:08:05
